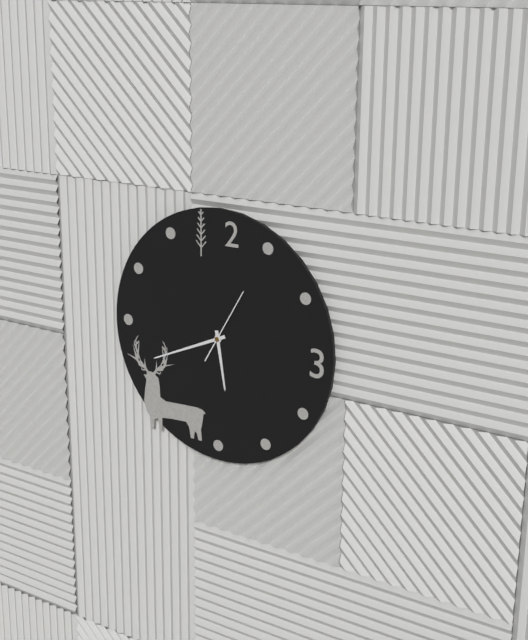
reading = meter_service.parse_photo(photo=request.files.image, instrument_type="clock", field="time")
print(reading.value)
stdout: 5:41:05
